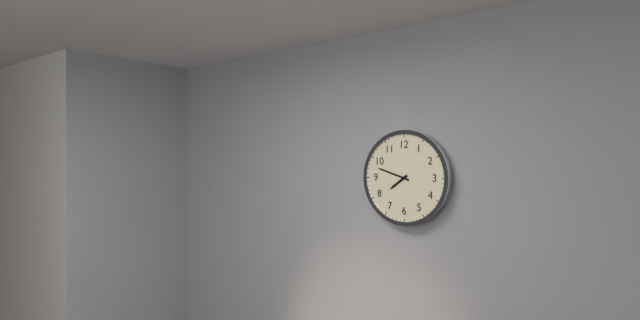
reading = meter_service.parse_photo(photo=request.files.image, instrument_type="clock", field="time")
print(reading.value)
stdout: 7:48
